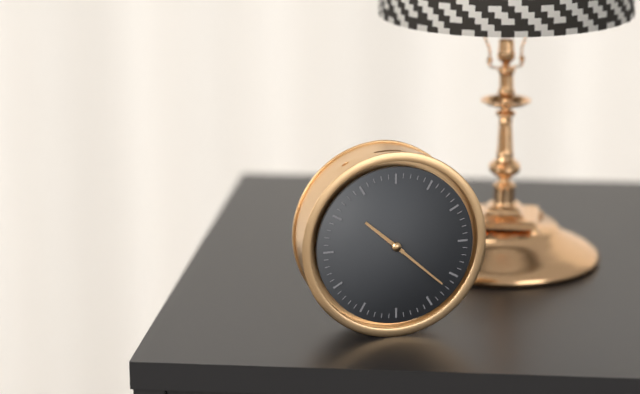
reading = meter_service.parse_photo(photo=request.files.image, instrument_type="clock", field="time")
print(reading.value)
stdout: 10:22
